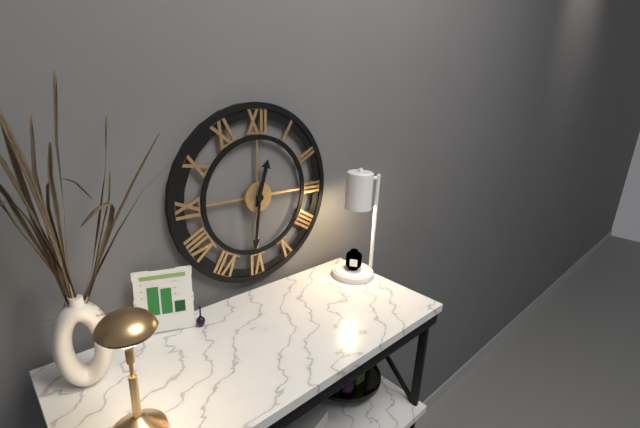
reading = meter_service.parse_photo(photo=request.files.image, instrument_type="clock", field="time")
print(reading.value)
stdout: 12:31
